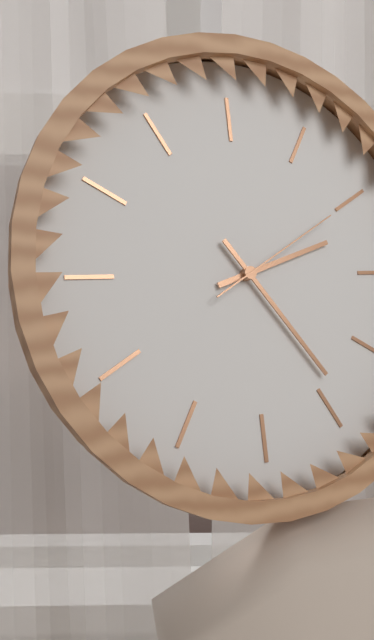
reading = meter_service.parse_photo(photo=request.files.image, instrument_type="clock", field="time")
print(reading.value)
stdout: 2:24:10
